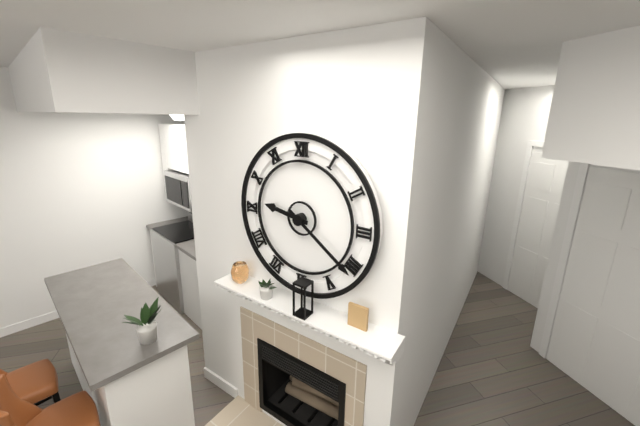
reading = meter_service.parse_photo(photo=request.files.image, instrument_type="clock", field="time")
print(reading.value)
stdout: 9:21
